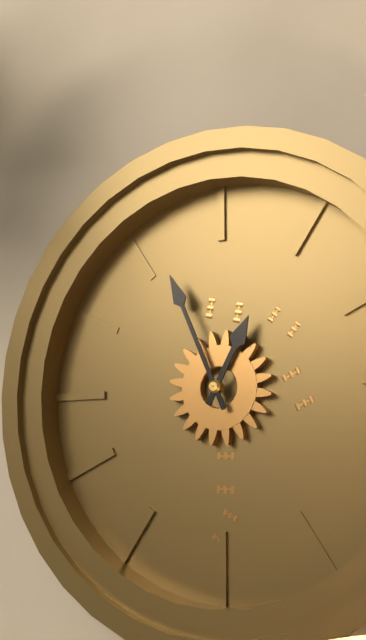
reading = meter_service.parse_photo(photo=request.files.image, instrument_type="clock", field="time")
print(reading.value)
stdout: 12:56
